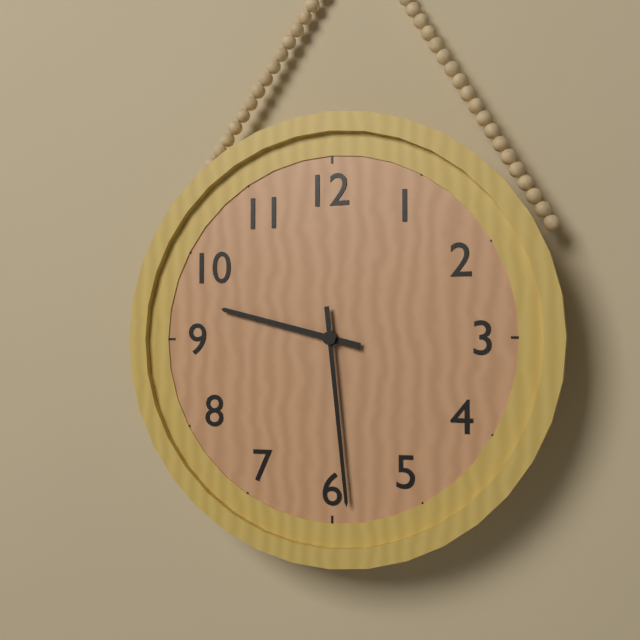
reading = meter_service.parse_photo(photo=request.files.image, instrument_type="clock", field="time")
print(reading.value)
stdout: 9:29
